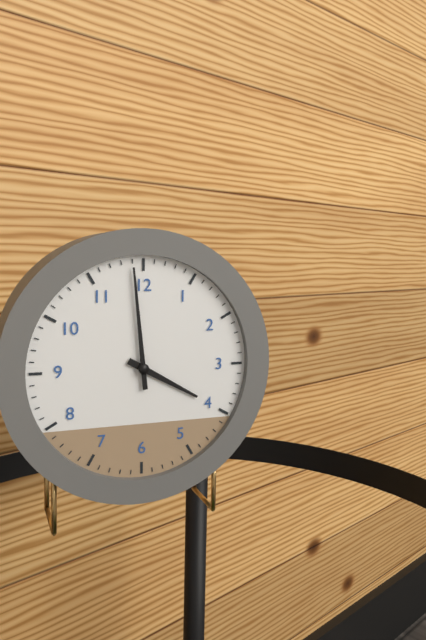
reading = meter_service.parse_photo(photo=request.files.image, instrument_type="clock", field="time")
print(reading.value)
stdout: 3:59
